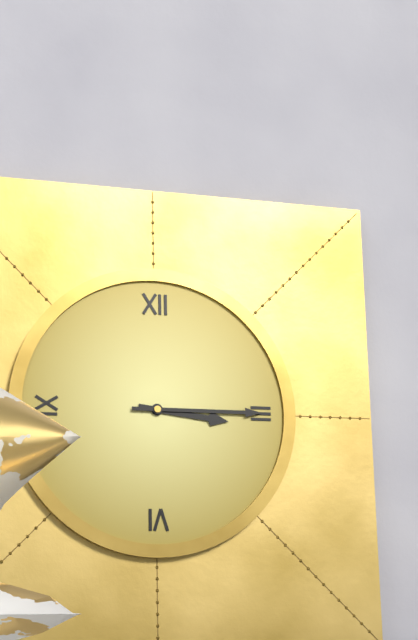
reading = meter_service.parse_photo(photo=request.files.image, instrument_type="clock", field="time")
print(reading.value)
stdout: 3:15
